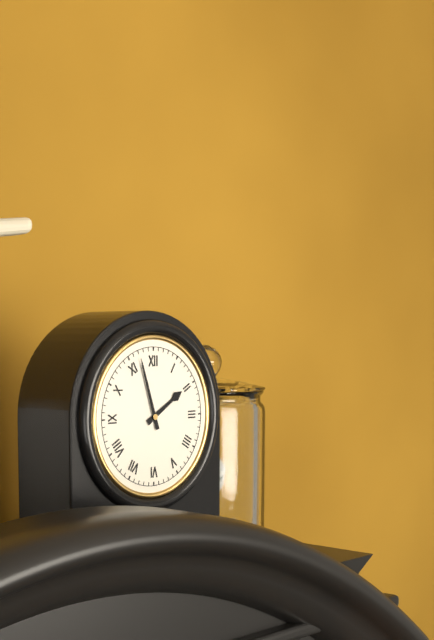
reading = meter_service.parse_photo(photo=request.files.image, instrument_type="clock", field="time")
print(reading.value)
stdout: 1:57
